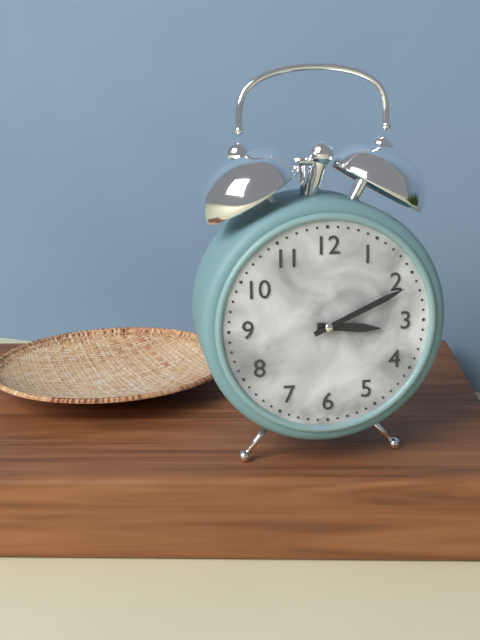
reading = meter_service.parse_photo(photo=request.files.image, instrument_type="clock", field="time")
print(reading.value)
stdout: 3:11
